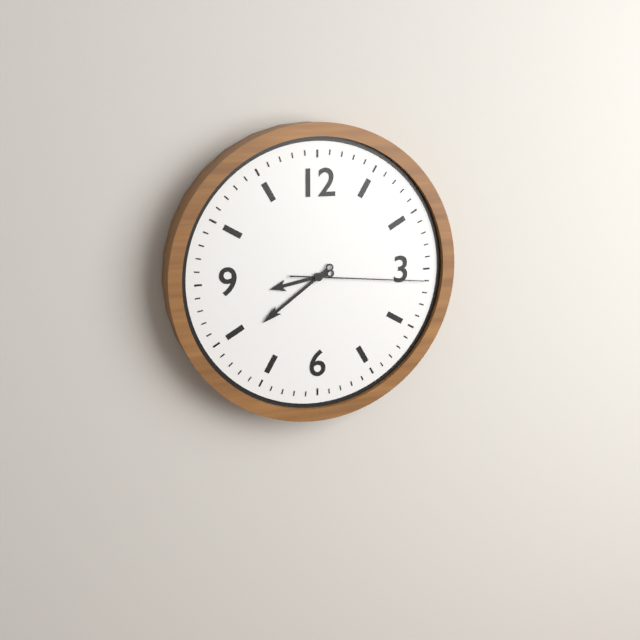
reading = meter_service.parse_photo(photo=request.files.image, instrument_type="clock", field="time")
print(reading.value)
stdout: 8:39:16
